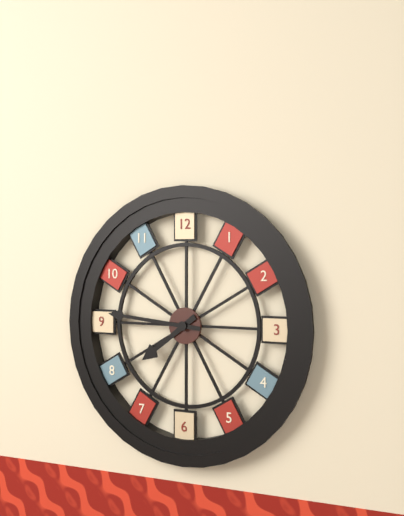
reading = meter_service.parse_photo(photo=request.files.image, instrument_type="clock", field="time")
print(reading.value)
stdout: 7:46
